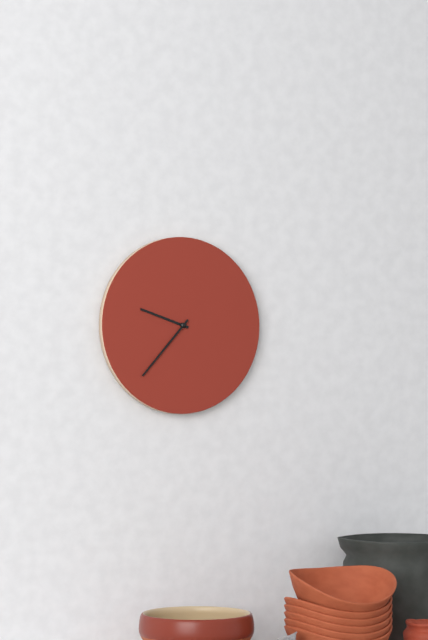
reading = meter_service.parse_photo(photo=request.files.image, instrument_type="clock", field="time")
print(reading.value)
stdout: 9:37
